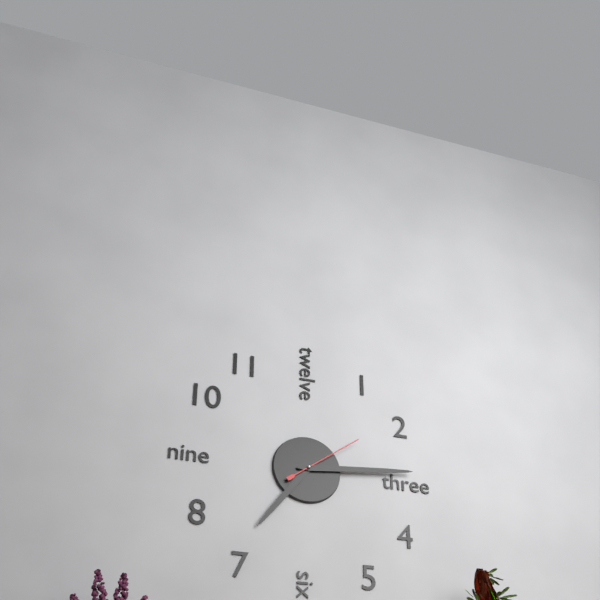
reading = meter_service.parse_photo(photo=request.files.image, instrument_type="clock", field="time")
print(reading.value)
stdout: 7:14:09
